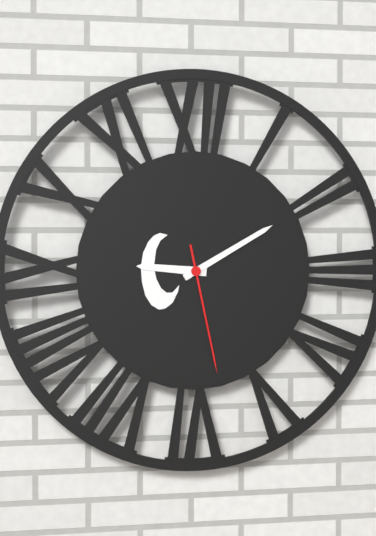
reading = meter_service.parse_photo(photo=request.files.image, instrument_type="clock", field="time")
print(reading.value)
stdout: 9:10:28
